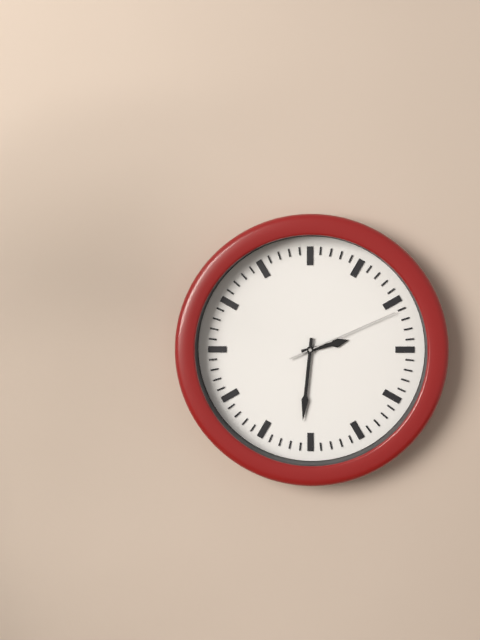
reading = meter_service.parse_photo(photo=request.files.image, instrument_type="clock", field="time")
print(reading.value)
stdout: 2:31:11
